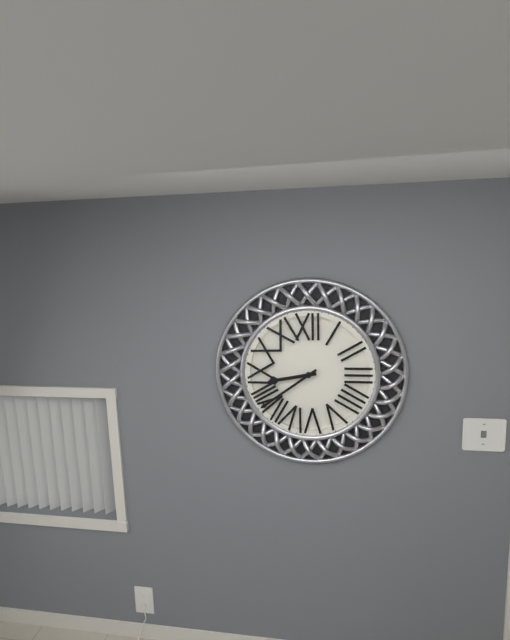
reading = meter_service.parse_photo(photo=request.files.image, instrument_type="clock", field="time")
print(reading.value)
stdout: 8:39
